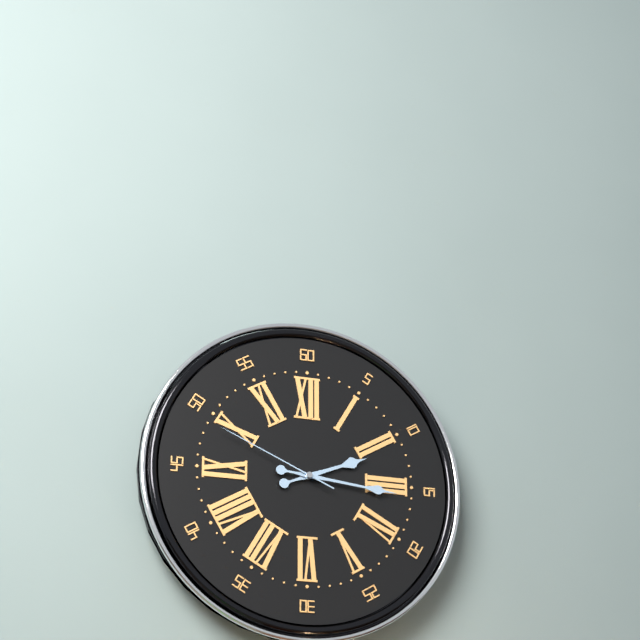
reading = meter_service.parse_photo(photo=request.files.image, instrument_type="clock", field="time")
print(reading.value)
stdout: 2:16:49
